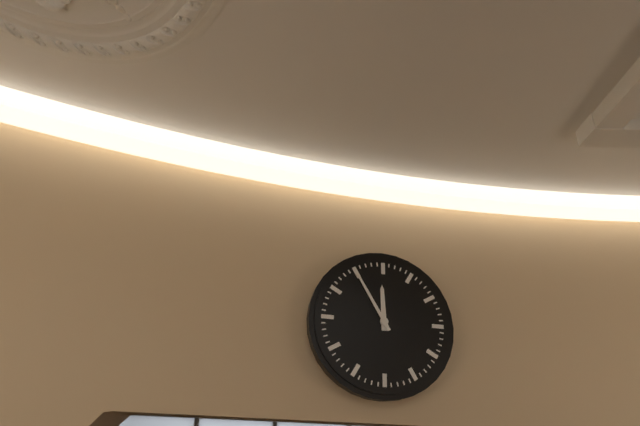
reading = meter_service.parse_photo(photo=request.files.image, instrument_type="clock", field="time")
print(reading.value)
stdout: 11:55
